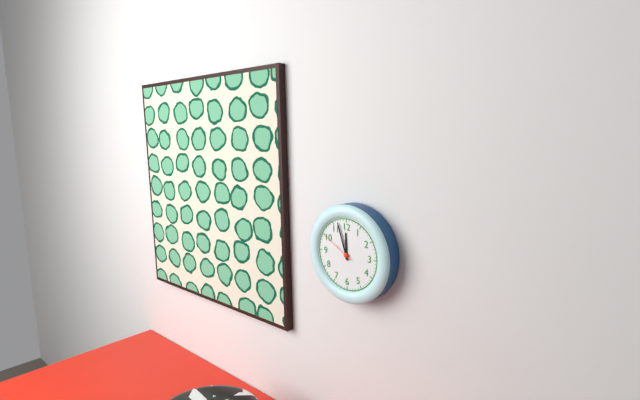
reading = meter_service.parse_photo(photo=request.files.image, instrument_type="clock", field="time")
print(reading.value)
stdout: 11:57
